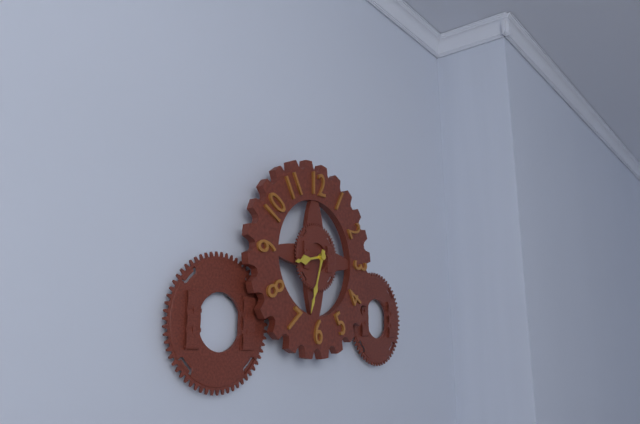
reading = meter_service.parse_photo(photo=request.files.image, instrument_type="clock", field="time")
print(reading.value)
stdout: 8:33
